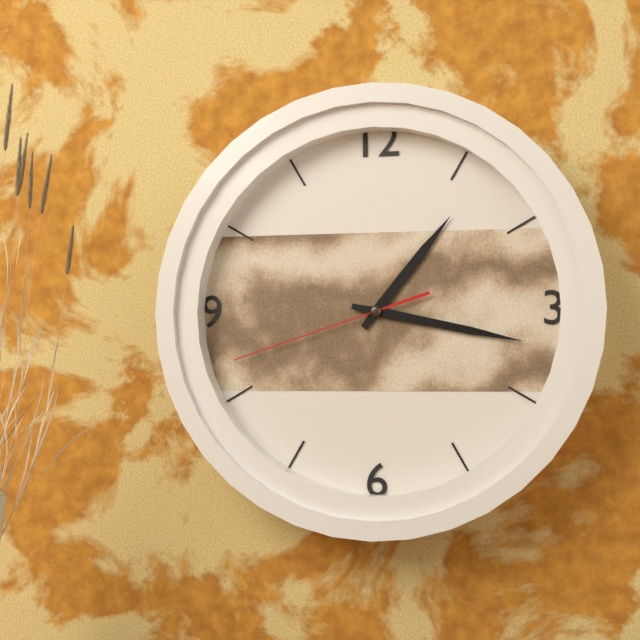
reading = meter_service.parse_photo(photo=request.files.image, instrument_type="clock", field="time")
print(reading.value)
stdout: 1:17:42
